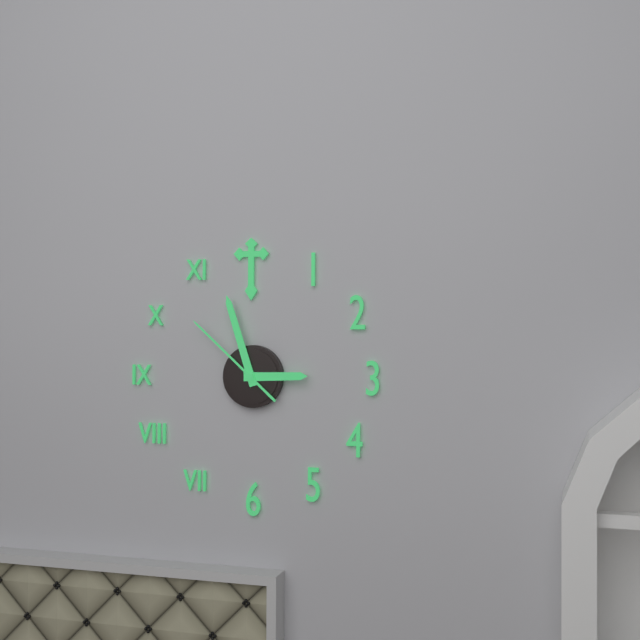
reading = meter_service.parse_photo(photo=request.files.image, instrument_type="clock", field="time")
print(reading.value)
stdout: 2:57:52
